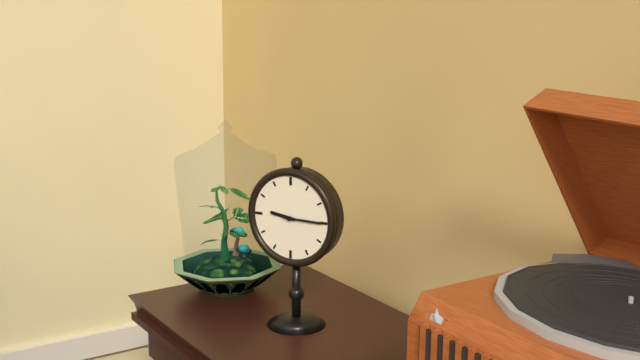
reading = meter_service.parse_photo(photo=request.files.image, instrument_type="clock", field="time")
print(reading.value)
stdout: 9:15
